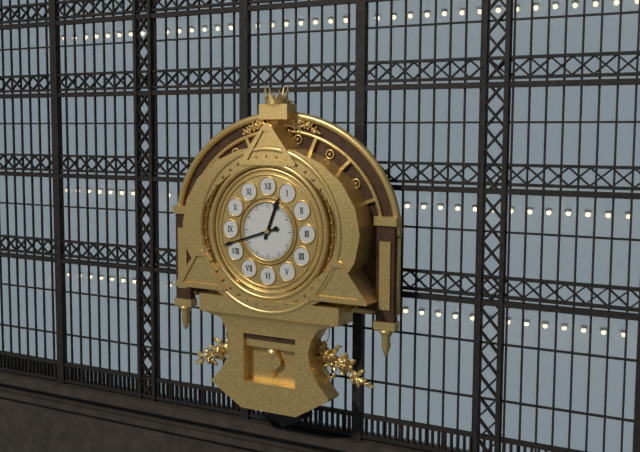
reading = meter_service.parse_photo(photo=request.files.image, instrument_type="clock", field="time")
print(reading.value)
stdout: 12:42
